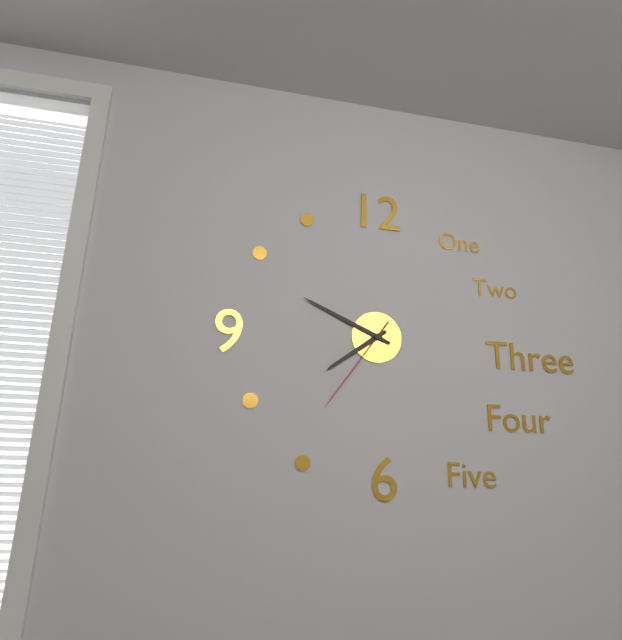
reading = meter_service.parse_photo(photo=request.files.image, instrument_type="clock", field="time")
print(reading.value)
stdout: 7:49:36
